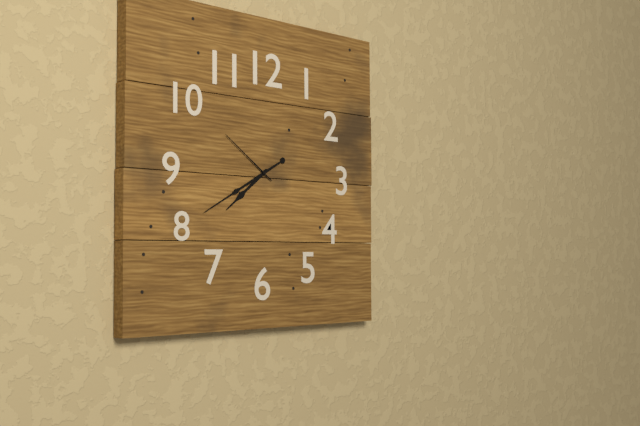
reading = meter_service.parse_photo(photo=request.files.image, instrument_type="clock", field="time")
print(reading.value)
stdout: 7:40:51
